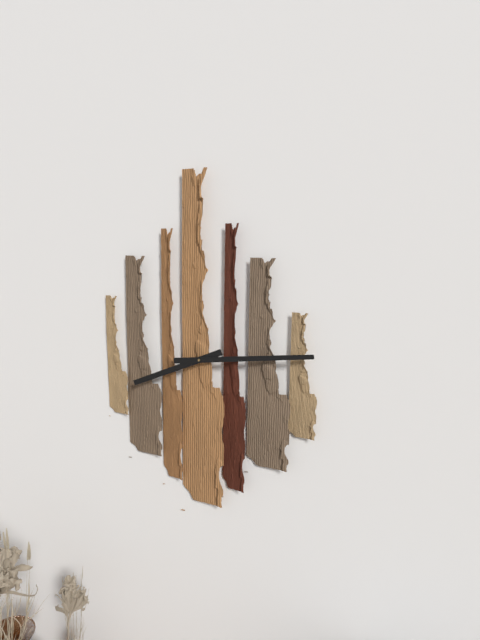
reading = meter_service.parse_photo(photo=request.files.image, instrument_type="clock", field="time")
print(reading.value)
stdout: 8:14
